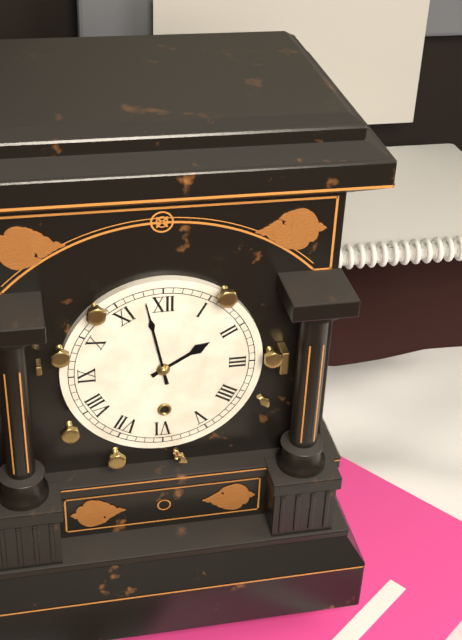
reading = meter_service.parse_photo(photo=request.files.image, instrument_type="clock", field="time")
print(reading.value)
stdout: 1:58
